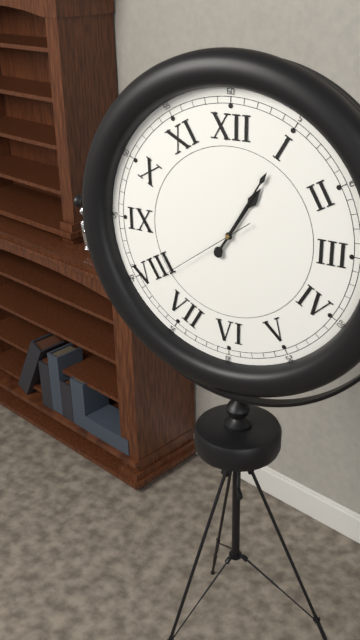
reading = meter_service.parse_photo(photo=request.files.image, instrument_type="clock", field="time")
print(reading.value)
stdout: 1:05:39
